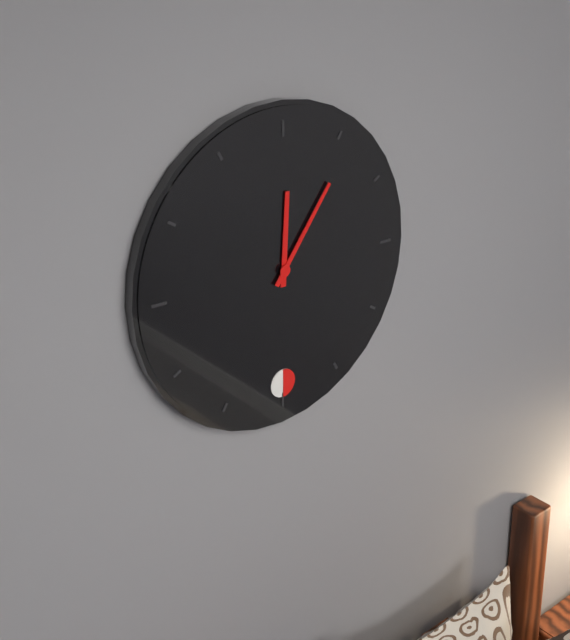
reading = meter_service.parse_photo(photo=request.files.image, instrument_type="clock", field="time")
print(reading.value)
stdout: 12:06
